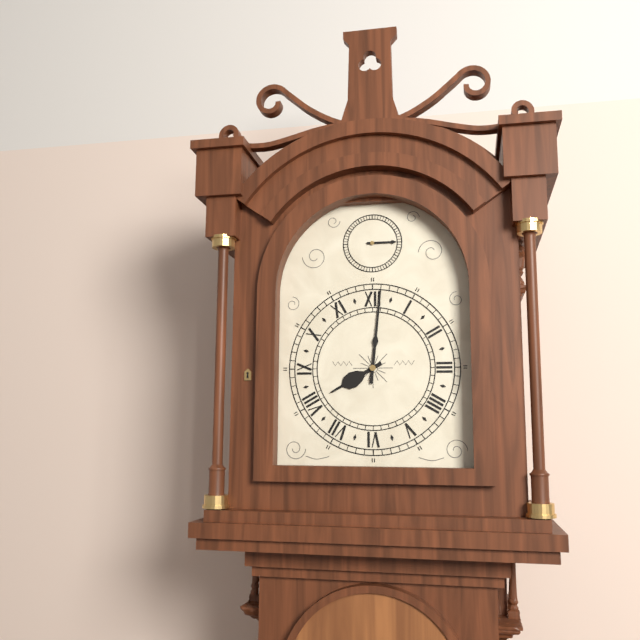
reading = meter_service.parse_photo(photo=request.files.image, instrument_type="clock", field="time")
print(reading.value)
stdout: 8:01
